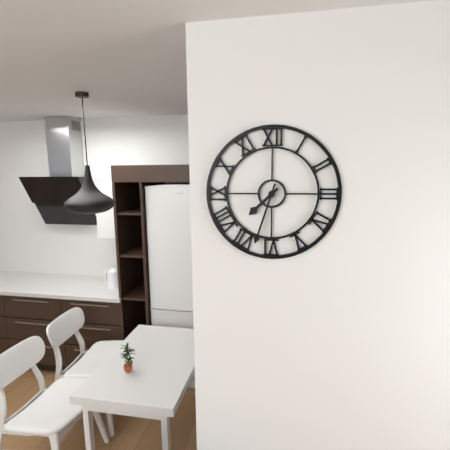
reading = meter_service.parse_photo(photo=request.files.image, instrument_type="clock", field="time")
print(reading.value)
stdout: 7:33
